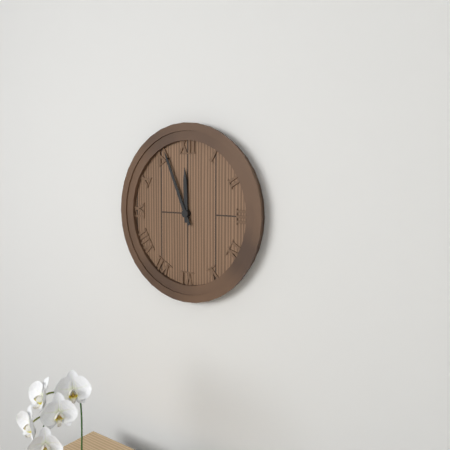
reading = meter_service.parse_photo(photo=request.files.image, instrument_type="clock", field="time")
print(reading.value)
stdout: 11:56
